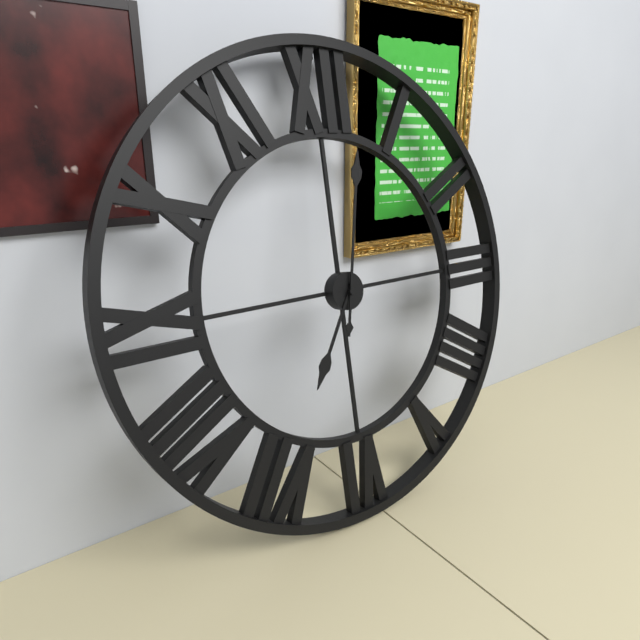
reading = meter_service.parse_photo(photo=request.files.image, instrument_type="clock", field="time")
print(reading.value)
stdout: 7:02
